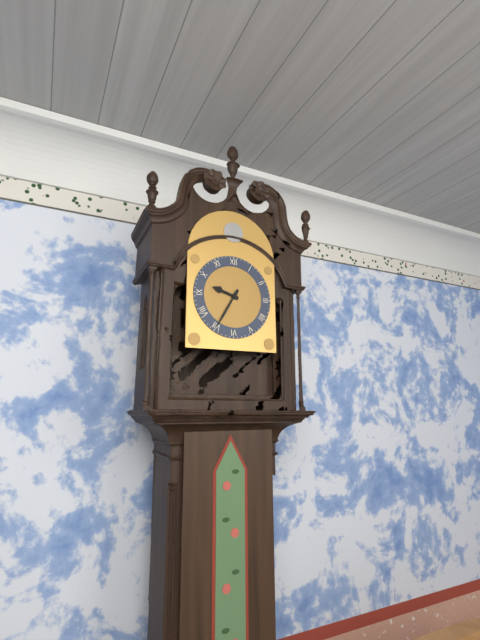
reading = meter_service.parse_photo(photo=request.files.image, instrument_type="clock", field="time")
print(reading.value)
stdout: 9:35
